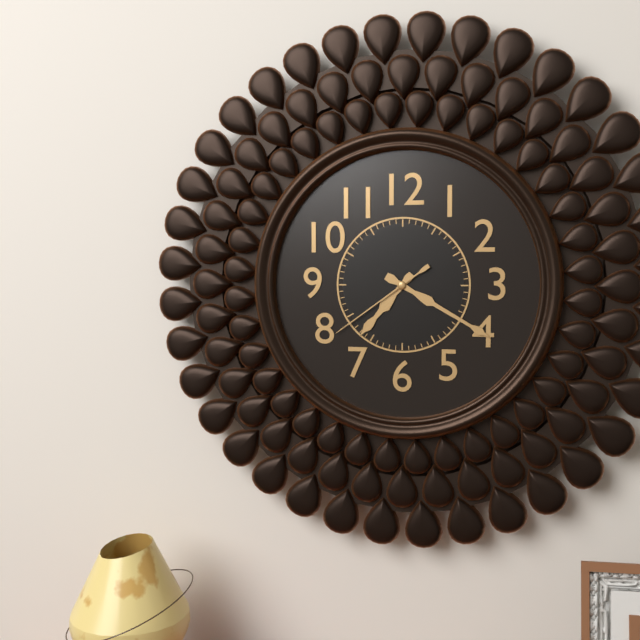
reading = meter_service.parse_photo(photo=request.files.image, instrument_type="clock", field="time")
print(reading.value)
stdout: 7:20:39
